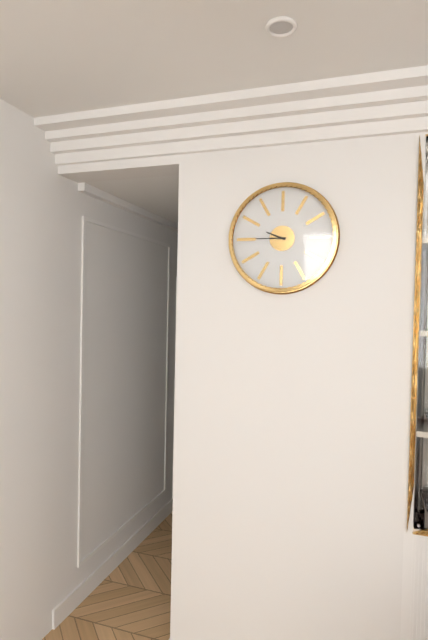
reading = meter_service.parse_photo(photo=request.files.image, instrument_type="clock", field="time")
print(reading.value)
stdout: 9:45
